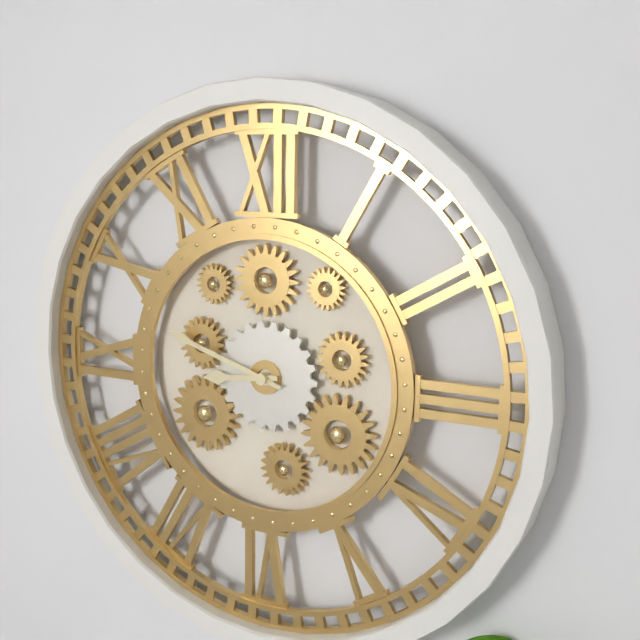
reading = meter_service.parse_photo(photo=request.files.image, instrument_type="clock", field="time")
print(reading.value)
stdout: 8:48
